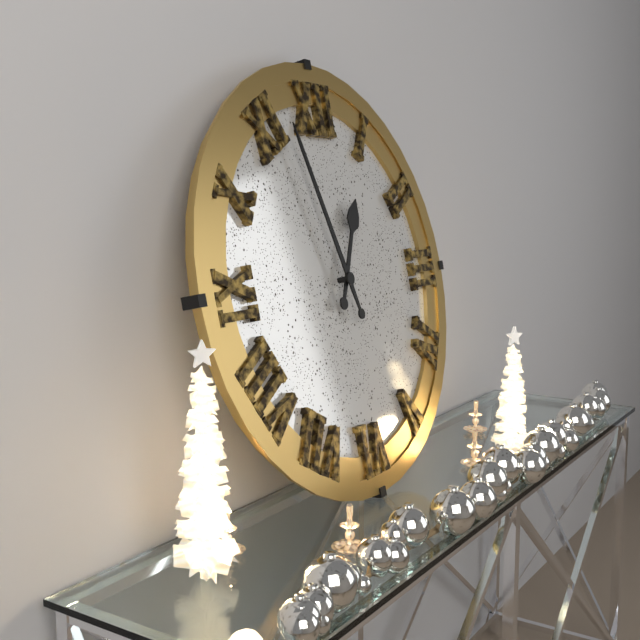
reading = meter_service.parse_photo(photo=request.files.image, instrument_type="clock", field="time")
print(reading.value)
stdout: 12:57
